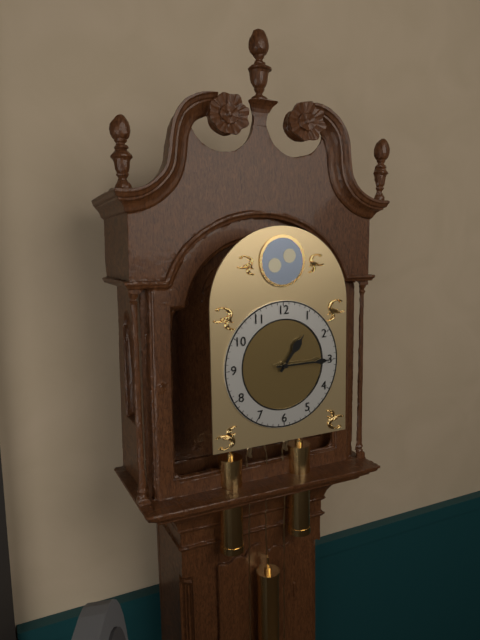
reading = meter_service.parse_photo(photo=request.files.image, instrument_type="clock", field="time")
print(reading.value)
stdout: 1:15
